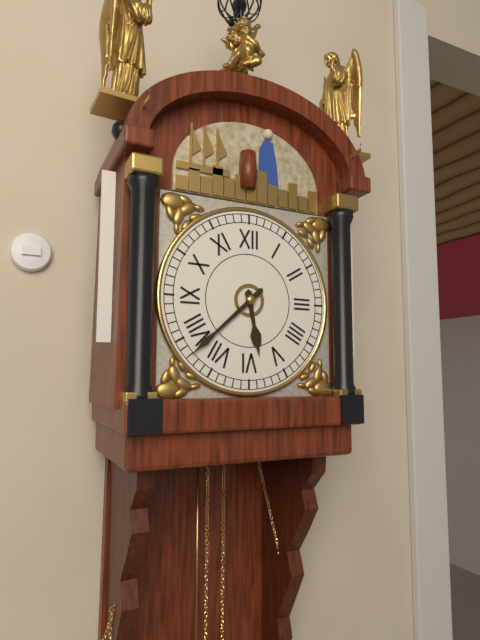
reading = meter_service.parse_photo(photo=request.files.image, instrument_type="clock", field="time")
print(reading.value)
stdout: 5:38
